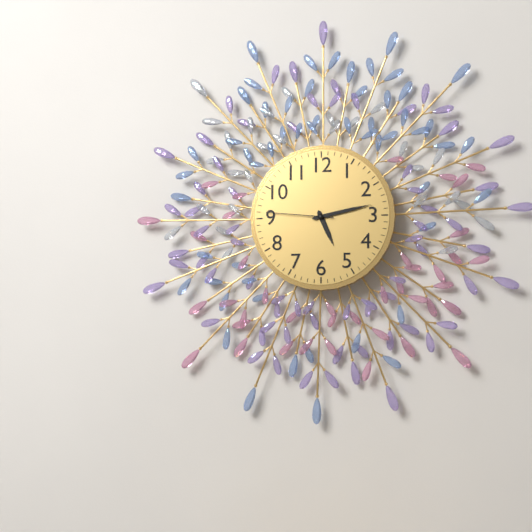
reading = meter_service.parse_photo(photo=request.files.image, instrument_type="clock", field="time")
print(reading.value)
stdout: 5:13:46
